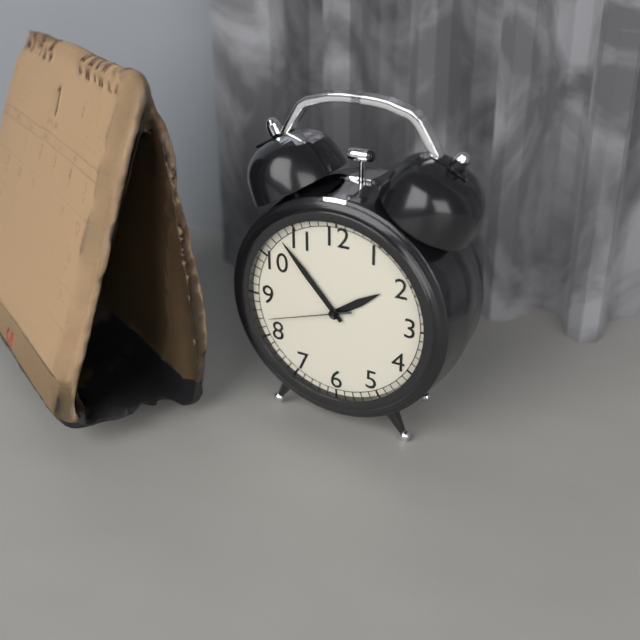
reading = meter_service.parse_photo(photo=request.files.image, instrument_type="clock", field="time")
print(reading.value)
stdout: 1:53:42
